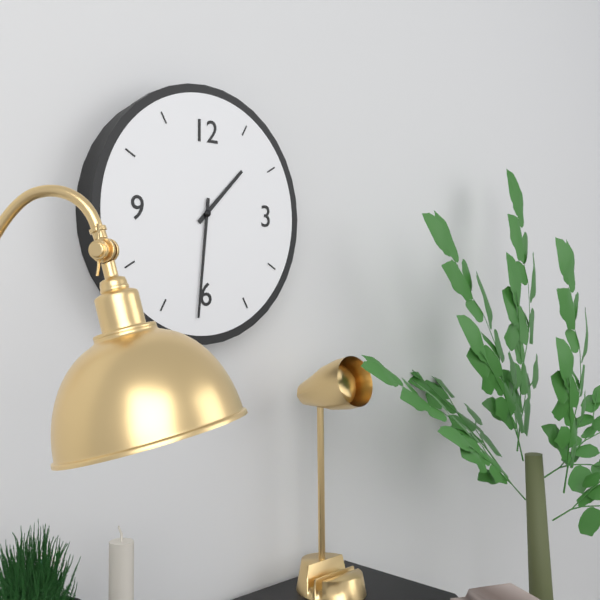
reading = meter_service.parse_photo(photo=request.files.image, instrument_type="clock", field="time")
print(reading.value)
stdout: 1:31
